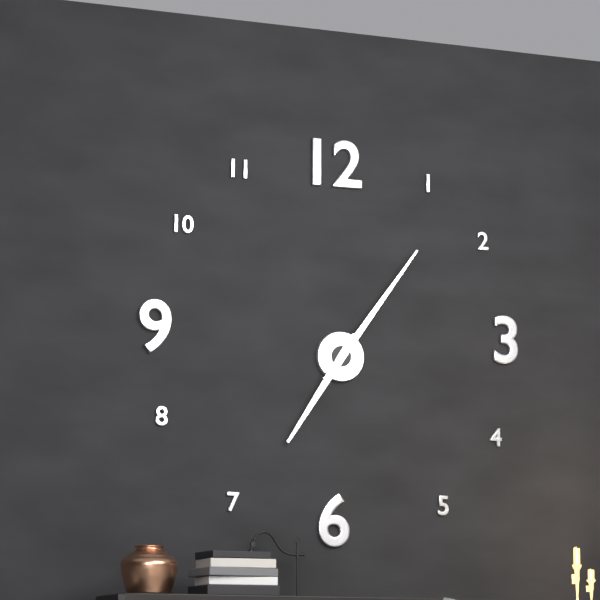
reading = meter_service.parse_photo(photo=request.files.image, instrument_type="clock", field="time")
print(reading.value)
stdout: 7:06
